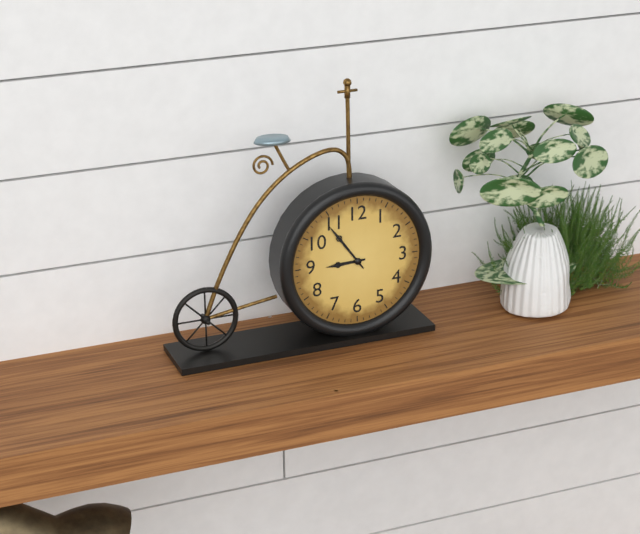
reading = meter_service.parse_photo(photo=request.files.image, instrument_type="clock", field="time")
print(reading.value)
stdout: 8:54
